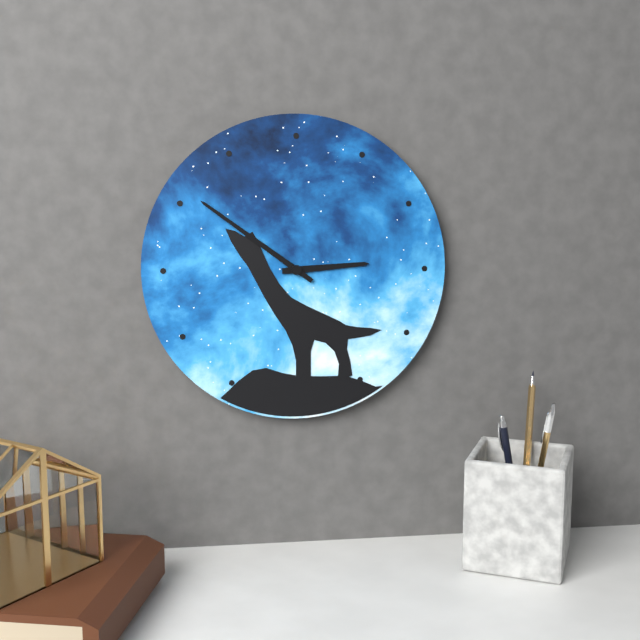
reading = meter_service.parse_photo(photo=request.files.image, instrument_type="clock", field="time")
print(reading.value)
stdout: 2:51
